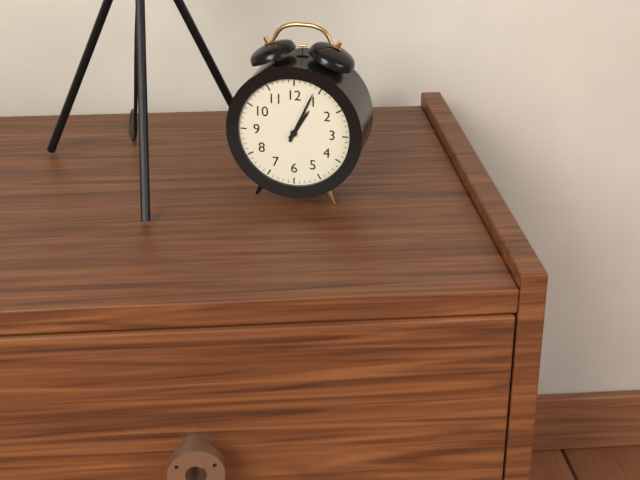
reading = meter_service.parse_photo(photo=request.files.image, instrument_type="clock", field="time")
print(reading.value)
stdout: 1:04
